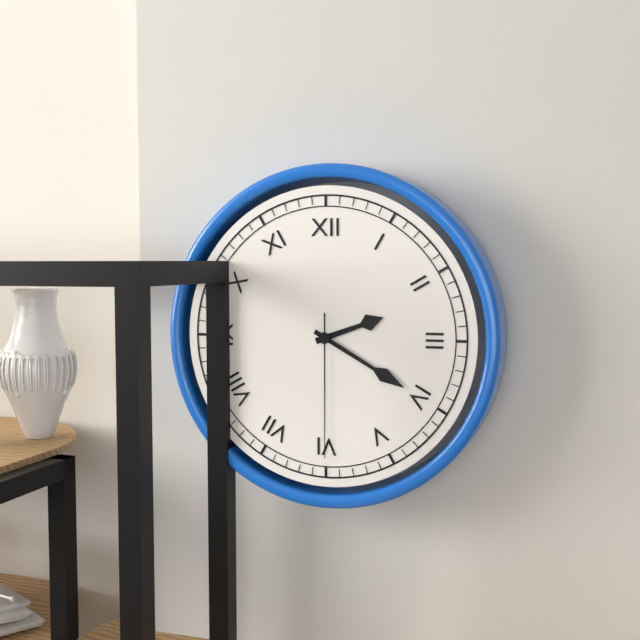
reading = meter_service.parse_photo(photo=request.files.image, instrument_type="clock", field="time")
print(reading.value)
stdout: 2:20:30
